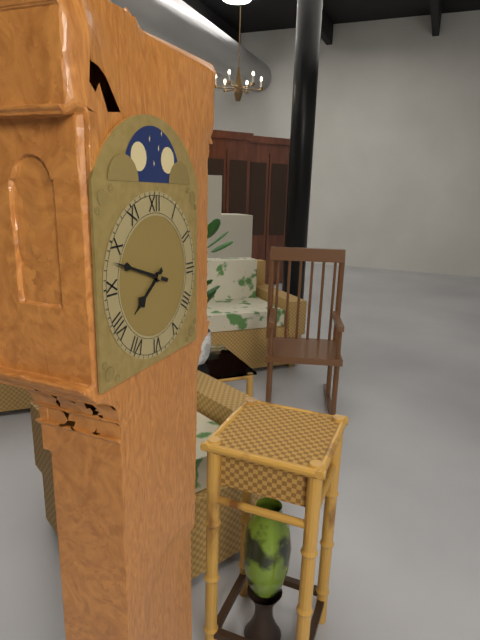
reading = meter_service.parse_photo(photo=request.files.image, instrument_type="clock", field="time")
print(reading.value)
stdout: 7:48
